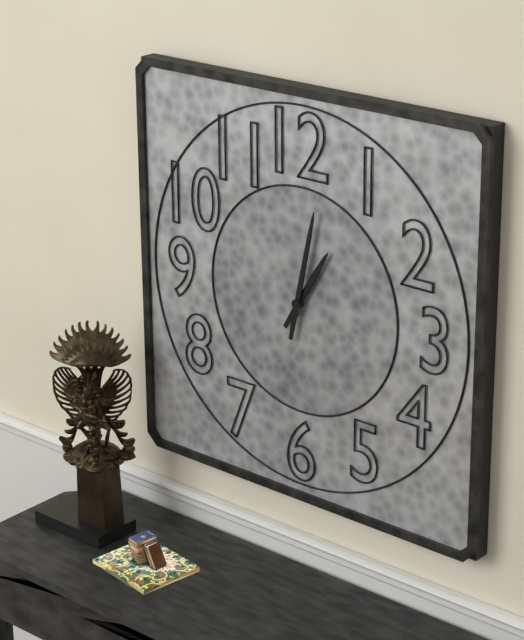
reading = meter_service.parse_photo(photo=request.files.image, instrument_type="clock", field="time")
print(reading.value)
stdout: 1:02
